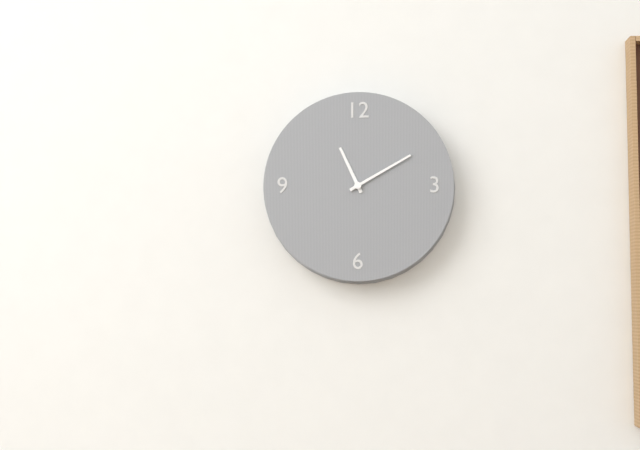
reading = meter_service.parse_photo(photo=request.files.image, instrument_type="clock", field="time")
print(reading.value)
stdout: 11:10
